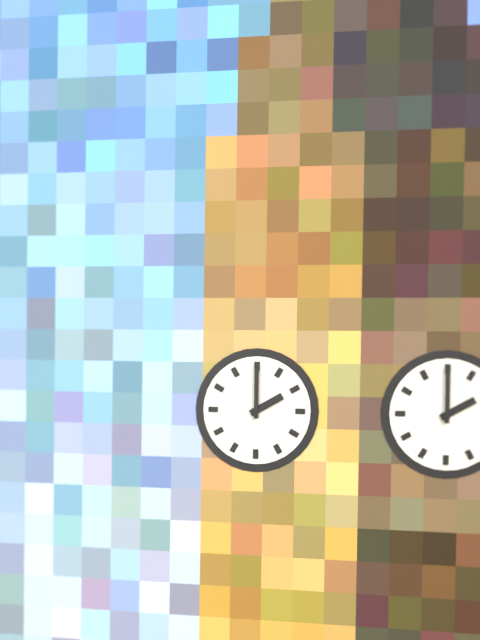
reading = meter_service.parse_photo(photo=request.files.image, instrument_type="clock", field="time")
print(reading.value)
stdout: 2:00
